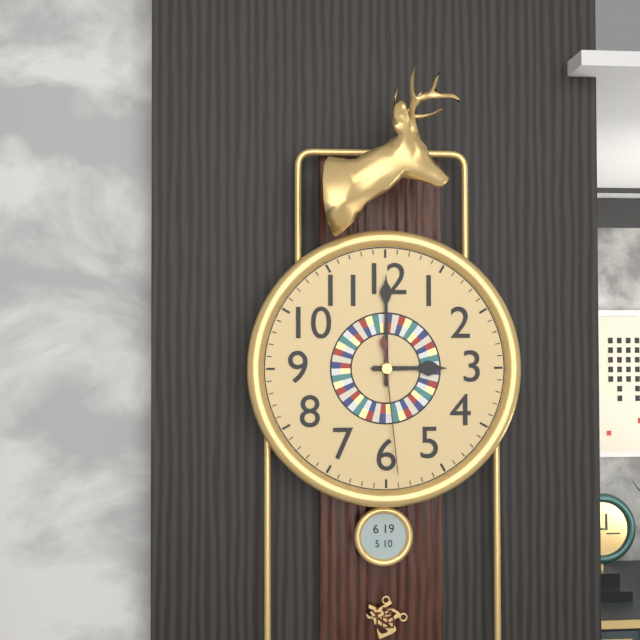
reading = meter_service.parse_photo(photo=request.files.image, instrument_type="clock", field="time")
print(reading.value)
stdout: 3:00:29
